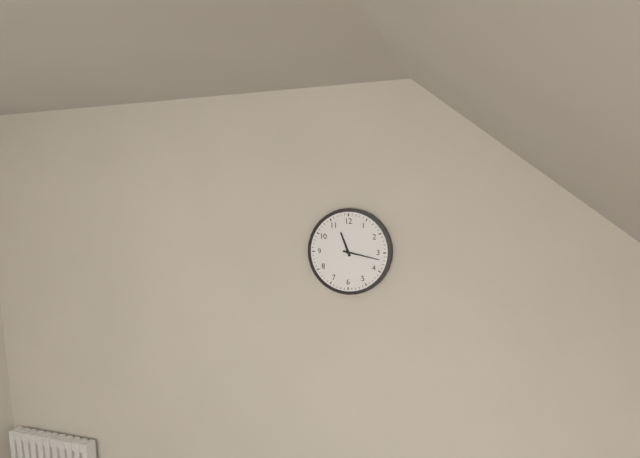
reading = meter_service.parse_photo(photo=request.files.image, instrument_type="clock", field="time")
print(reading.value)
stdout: 11:17
